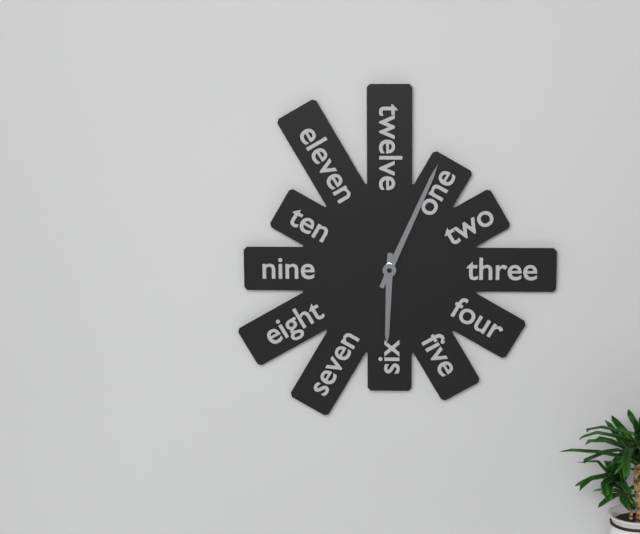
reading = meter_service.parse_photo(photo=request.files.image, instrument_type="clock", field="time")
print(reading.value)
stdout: 6:04
